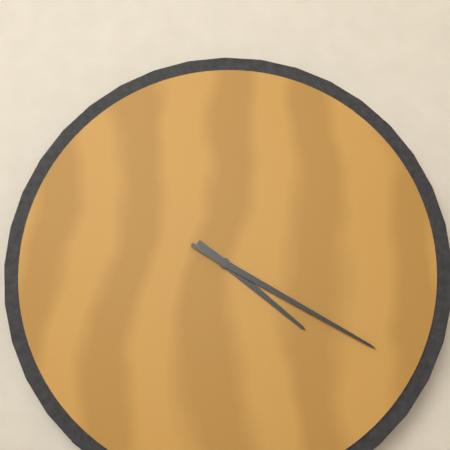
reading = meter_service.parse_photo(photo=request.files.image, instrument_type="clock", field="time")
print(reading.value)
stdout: 4:20
